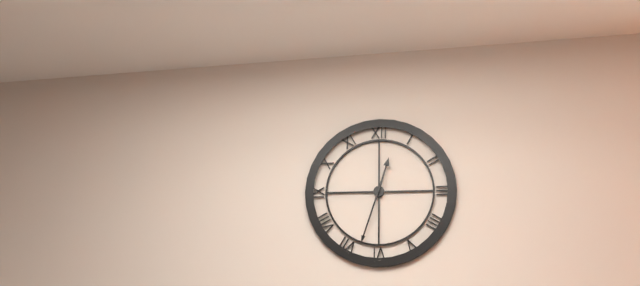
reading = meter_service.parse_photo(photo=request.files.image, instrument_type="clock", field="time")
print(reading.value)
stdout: 12:33
